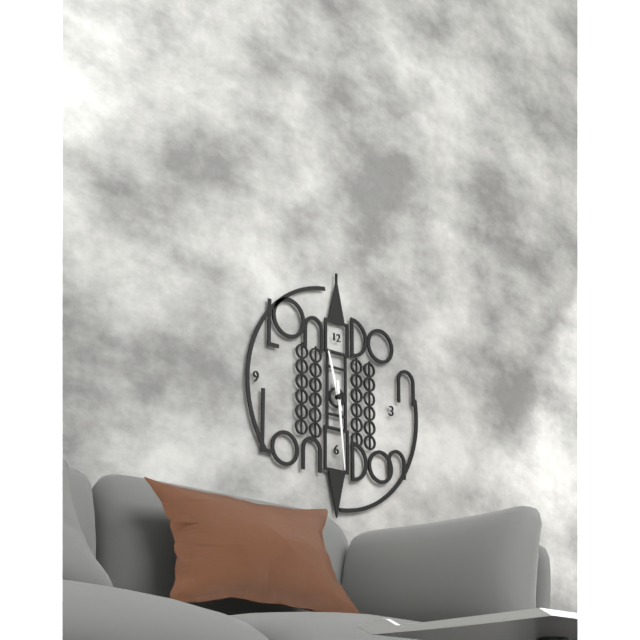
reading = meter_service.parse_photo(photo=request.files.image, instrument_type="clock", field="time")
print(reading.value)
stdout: 11:29
